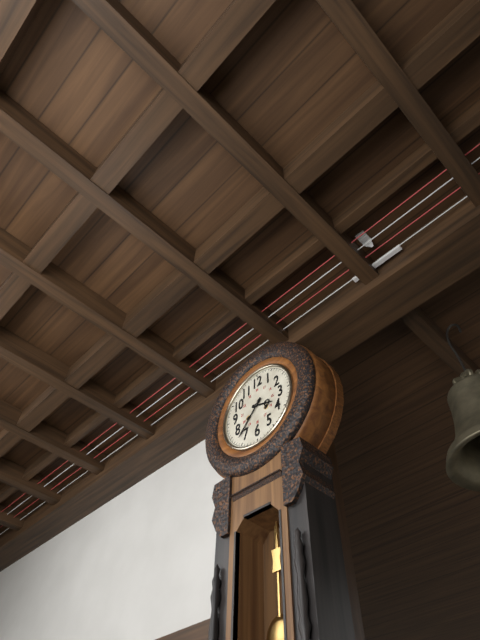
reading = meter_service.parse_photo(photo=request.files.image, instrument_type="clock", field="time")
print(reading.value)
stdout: 3:37
